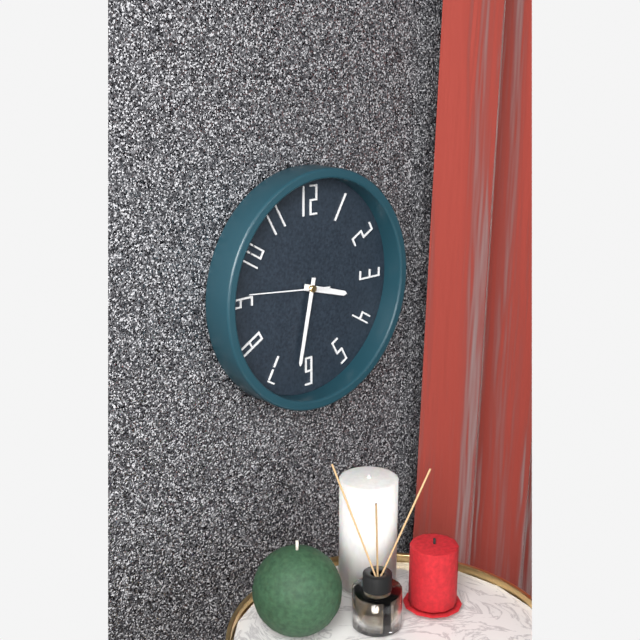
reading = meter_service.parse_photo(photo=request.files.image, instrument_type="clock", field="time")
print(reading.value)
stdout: 3:32:46
